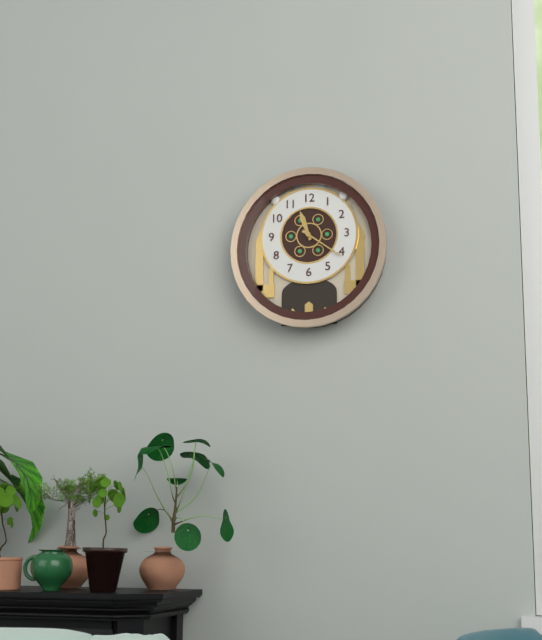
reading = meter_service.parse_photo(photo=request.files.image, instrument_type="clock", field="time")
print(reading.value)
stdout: 11:21
